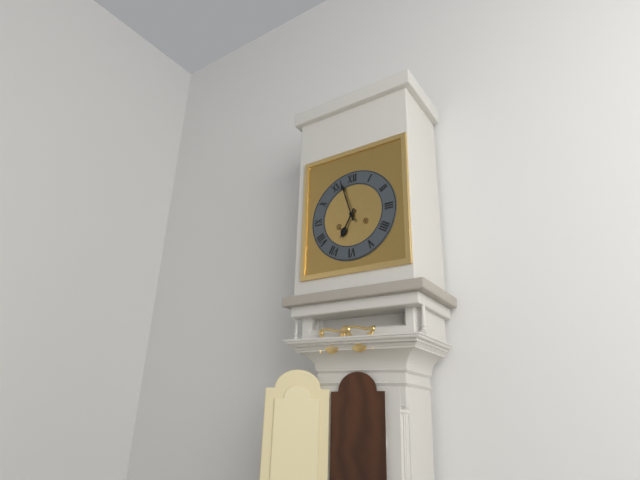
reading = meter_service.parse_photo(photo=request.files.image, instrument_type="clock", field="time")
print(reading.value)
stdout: 6:57
